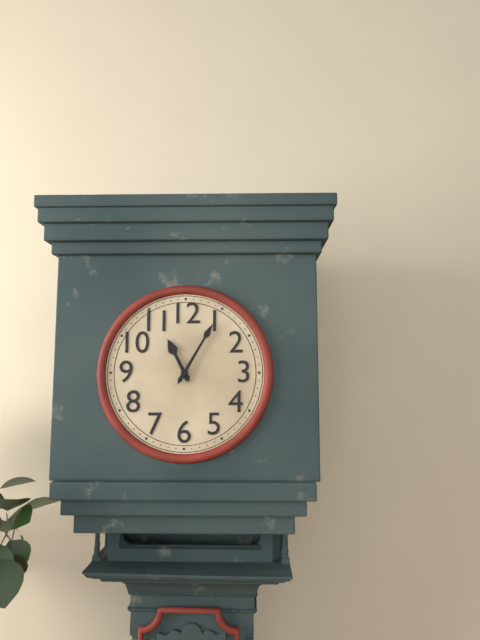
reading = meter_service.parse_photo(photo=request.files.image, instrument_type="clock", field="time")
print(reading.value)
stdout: 11:05
